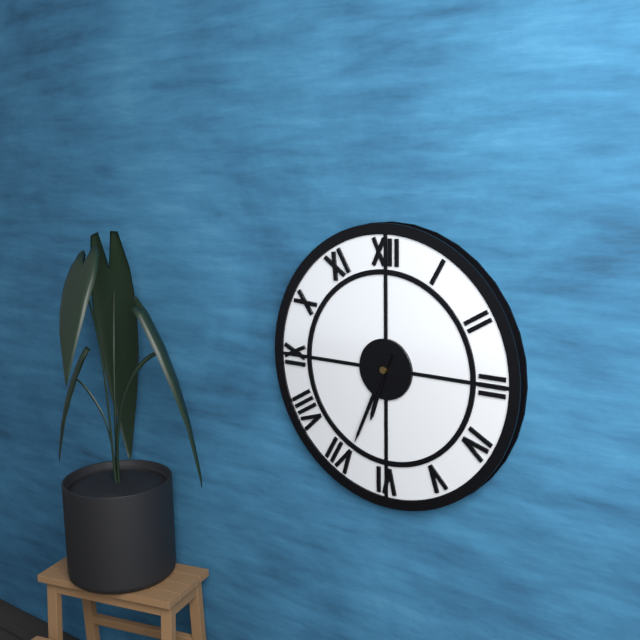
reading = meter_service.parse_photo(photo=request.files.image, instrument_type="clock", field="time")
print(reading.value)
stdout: 6:34
